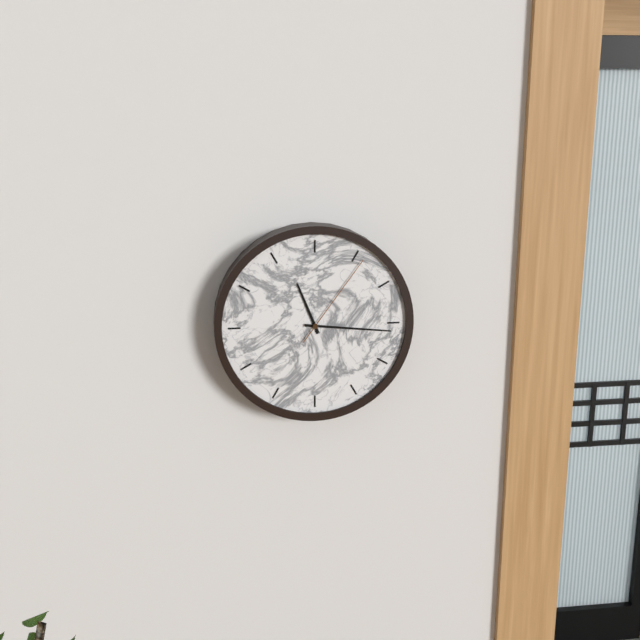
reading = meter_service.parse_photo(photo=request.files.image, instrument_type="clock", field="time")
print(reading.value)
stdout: 11:16:06
